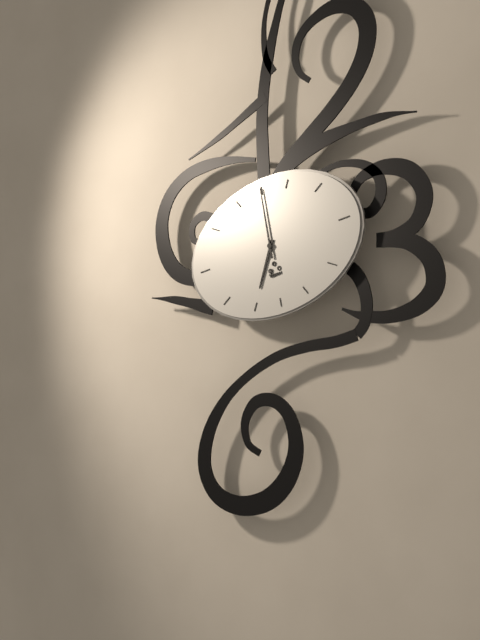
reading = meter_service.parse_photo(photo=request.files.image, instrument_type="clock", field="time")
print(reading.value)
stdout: 7:00
